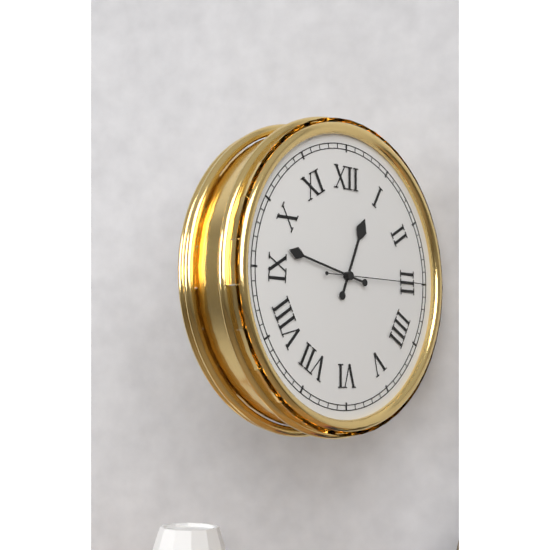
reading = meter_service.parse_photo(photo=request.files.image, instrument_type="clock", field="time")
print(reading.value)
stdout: 12:47:15
